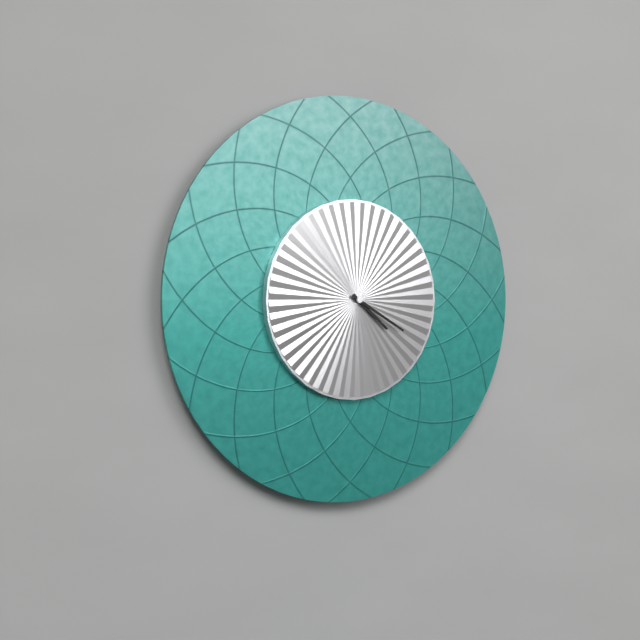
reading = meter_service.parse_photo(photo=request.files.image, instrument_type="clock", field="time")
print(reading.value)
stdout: 4:20
